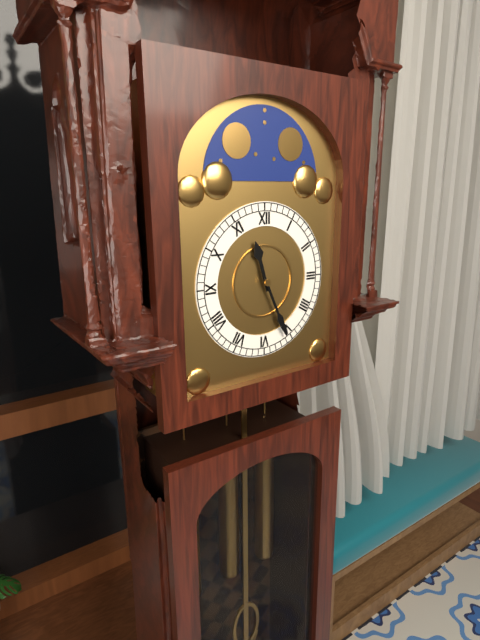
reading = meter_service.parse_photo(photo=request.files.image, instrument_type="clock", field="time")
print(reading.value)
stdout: 11:26
